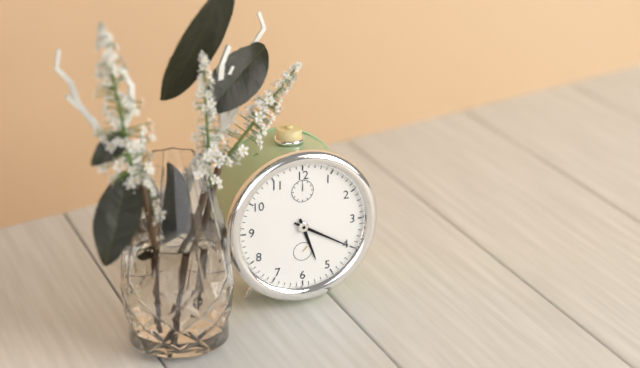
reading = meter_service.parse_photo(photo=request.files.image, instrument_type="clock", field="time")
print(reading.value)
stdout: 5:20
